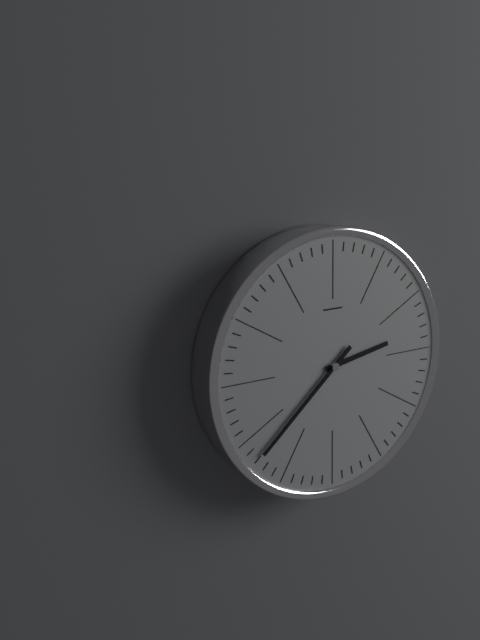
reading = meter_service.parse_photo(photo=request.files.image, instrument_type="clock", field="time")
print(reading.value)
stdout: 2:38
